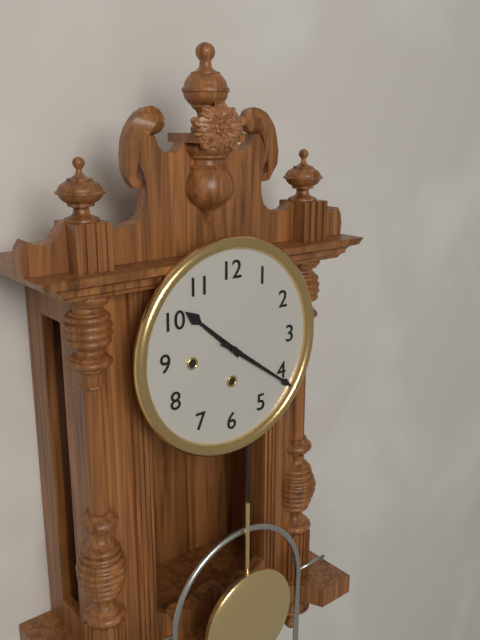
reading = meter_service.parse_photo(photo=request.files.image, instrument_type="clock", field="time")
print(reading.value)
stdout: 10:21
